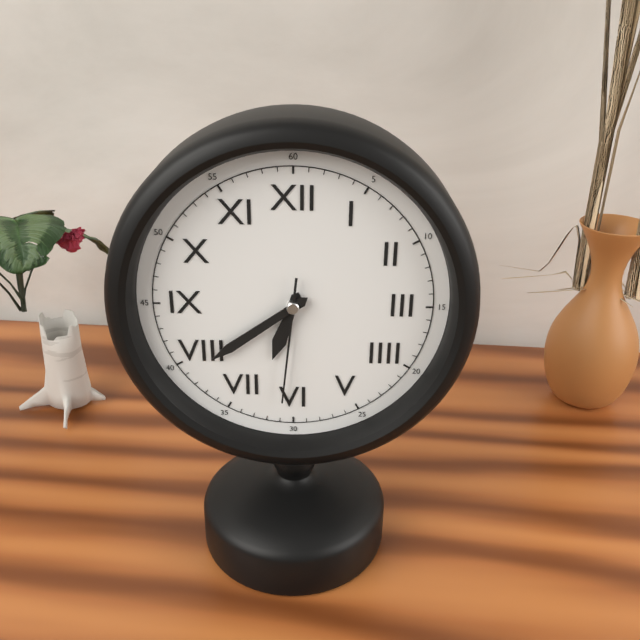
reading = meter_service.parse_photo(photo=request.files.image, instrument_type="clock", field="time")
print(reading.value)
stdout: 6:39:31
